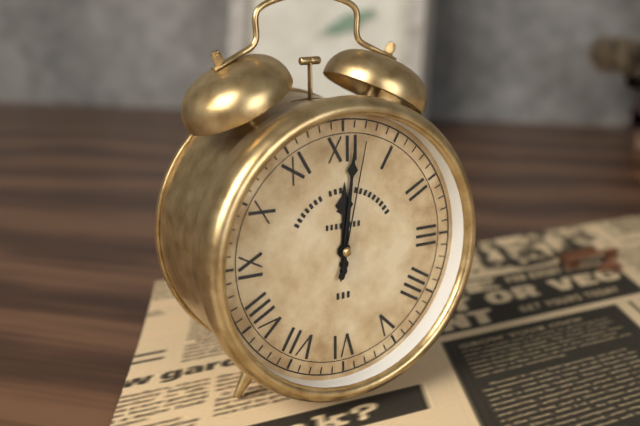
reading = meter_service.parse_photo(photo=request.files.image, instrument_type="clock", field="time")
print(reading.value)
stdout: 12:01:02
